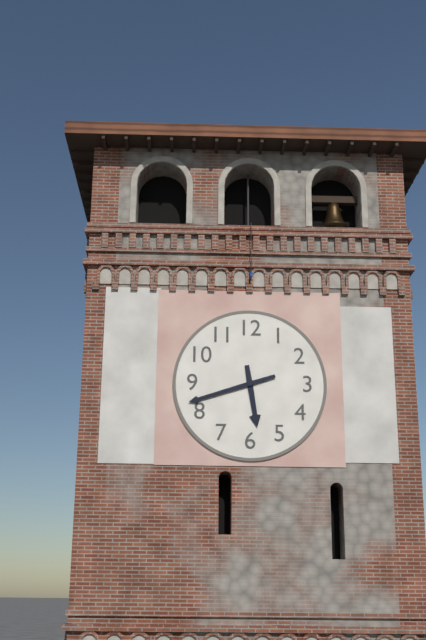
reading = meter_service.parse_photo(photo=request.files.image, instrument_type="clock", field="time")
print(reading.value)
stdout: 5:42
